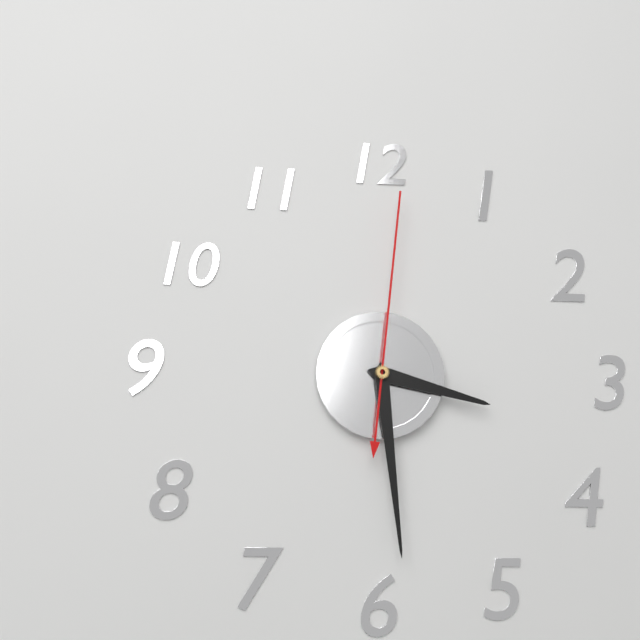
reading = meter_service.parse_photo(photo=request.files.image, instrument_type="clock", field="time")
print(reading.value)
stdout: 3:29:01
